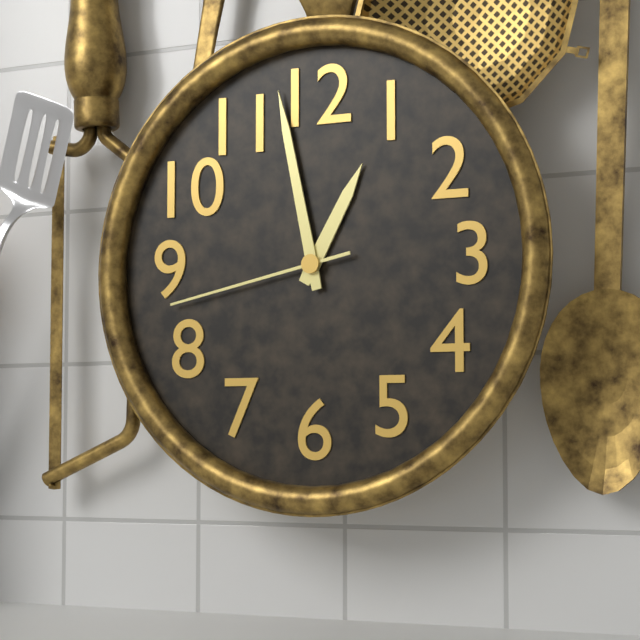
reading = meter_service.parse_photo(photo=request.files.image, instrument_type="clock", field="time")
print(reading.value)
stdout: 12:58:43
